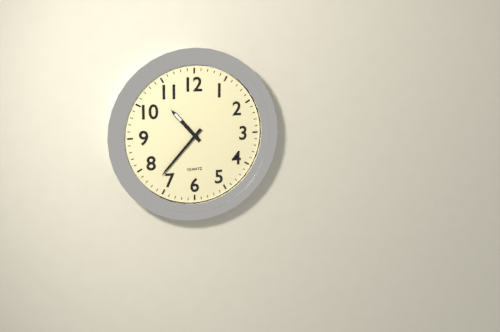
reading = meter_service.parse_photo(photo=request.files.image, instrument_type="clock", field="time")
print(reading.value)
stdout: 10:37
